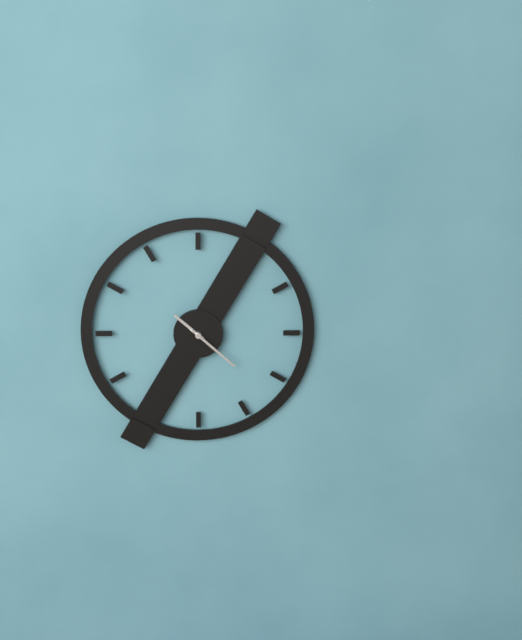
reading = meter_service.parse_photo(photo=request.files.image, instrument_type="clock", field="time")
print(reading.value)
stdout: 10:22
